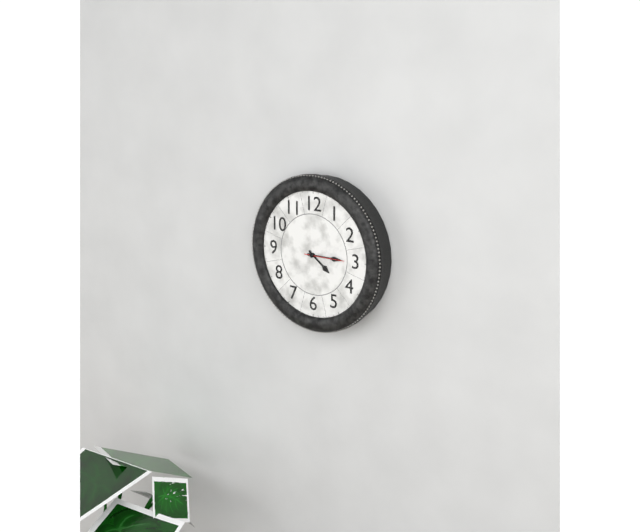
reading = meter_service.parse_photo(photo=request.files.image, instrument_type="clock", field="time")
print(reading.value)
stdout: 4:15
